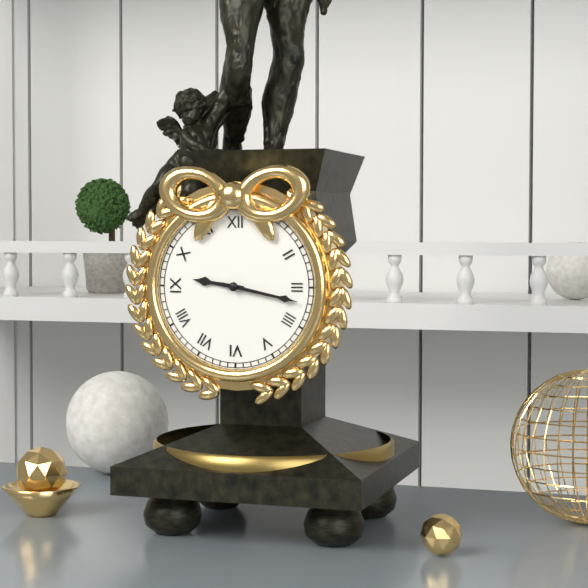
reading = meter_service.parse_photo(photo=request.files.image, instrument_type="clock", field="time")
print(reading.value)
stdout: 9:17
